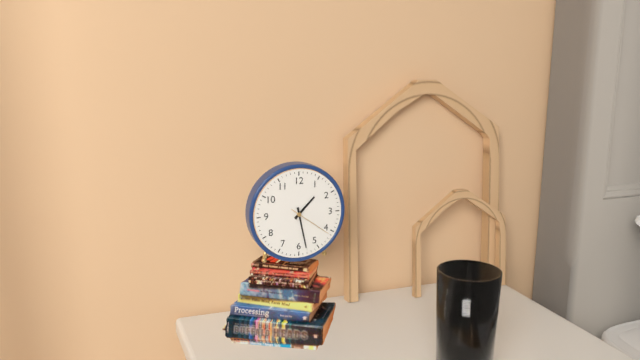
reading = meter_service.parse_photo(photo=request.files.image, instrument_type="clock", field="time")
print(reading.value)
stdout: 1:28
